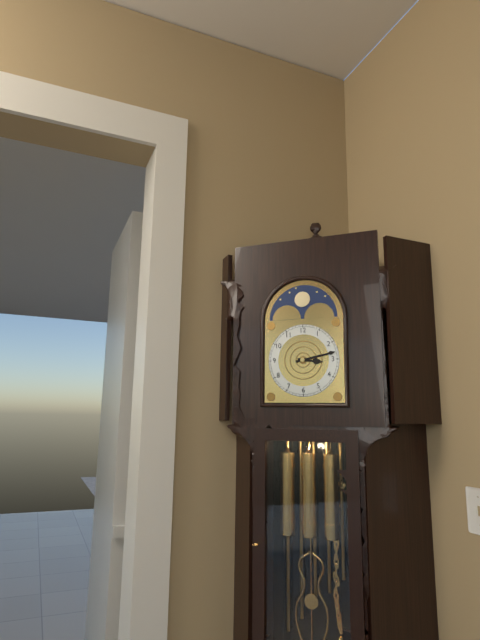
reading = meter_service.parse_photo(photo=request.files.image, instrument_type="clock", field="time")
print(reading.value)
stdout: 3:13
